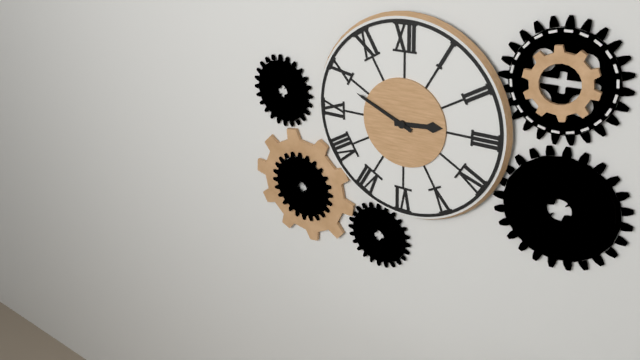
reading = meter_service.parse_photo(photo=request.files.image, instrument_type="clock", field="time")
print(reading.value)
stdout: 2:49
